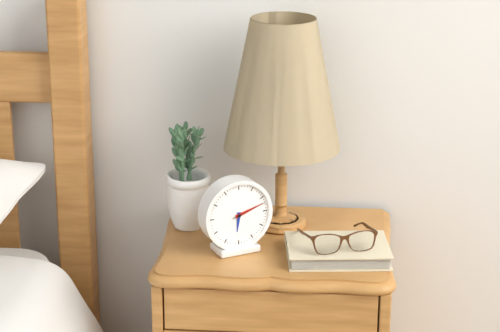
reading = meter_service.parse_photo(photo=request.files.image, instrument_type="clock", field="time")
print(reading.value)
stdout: 6:12
